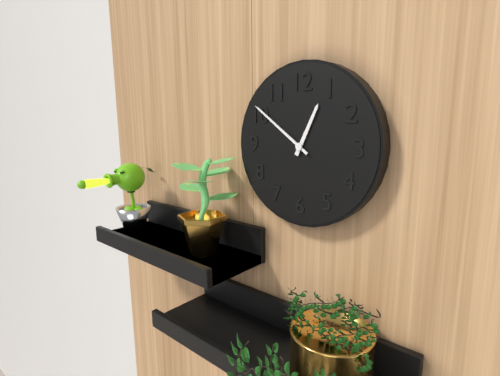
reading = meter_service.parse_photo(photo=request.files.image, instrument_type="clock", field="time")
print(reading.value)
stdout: 12:51
